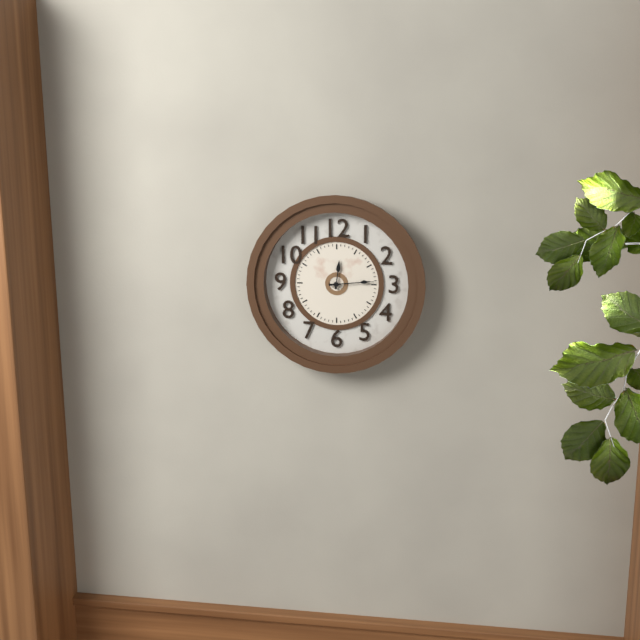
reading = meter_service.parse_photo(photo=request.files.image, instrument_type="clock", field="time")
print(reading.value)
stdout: 12:14
